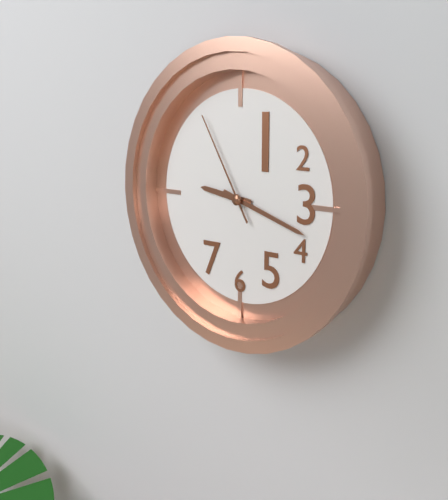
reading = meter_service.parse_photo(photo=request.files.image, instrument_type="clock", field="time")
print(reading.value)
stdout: 9:18:55
